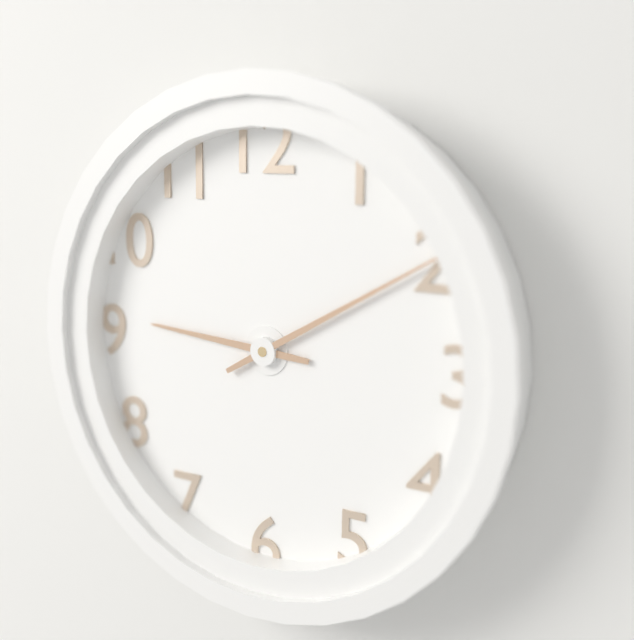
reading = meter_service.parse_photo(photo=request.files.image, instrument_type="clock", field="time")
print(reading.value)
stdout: 9:10
